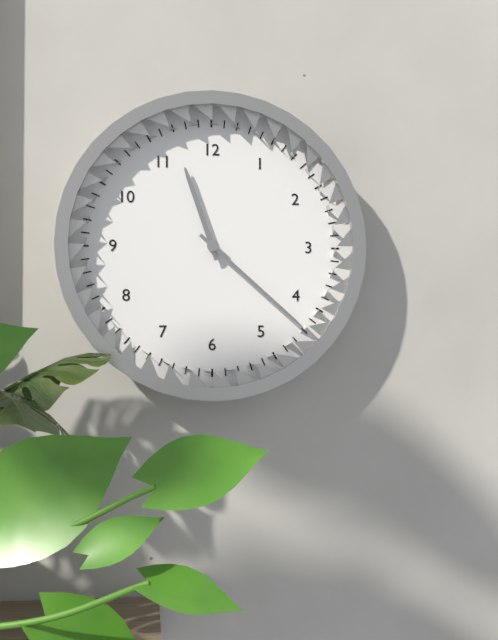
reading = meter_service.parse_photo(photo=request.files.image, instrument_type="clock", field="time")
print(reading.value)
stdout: 11:22
